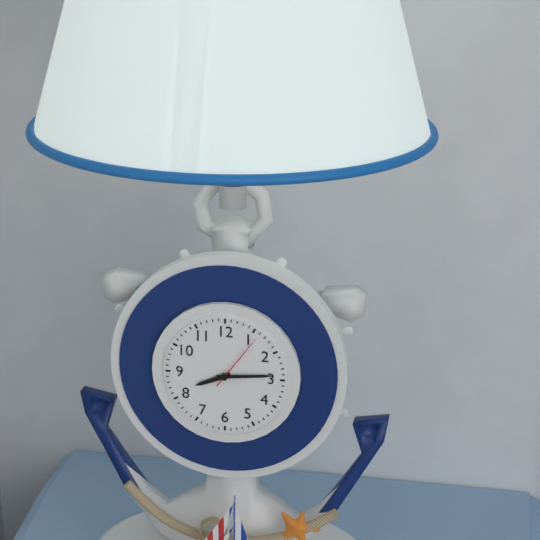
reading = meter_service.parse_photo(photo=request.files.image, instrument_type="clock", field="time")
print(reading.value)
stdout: 8:14:06
